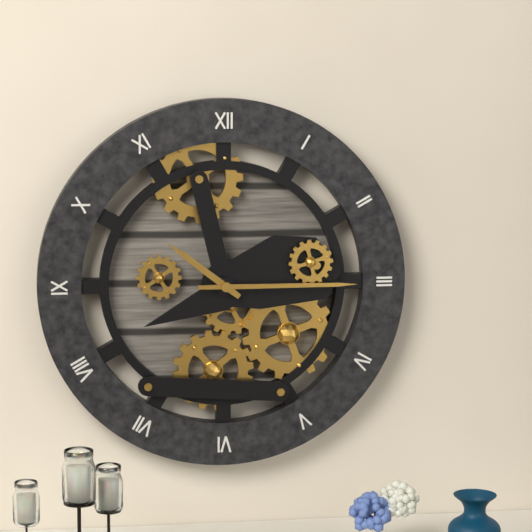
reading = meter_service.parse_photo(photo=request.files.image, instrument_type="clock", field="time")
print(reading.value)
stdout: 10:15
